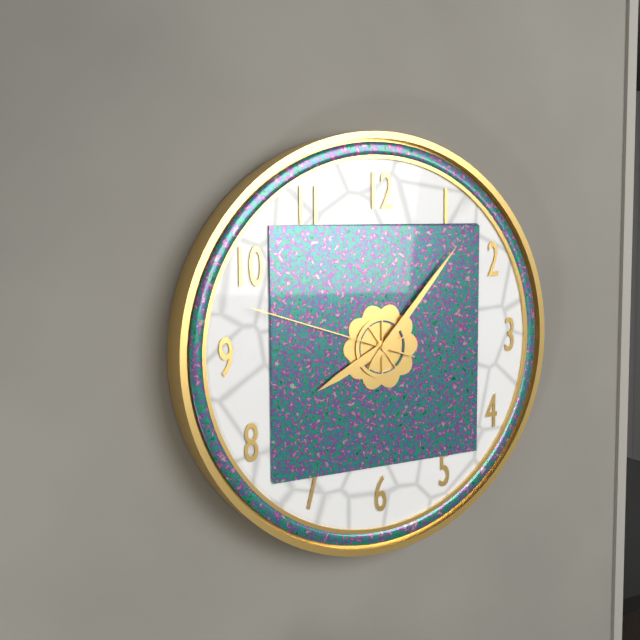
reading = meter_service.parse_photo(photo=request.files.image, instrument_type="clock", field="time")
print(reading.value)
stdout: 8:07:48
